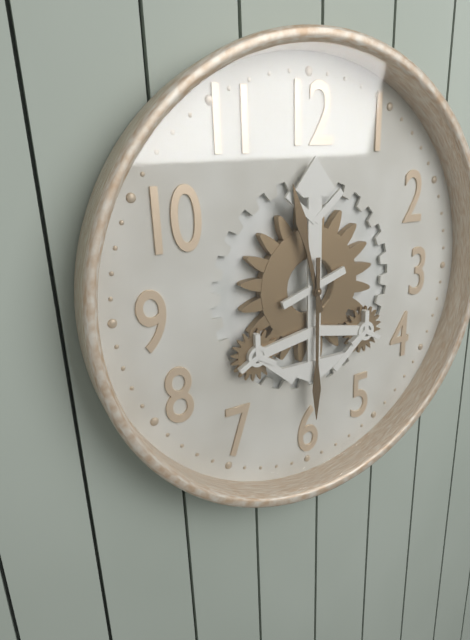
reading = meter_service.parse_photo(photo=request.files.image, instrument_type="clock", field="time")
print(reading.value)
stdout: 11:30
